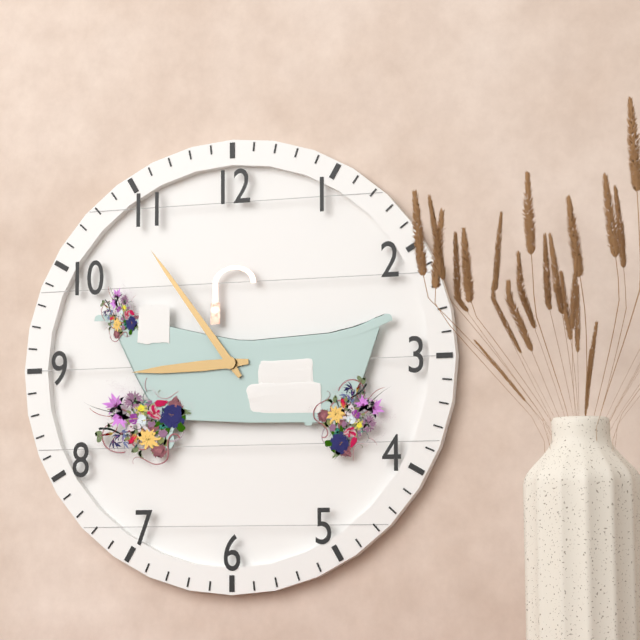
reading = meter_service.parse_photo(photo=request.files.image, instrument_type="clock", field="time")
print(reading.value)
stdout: 8:54
